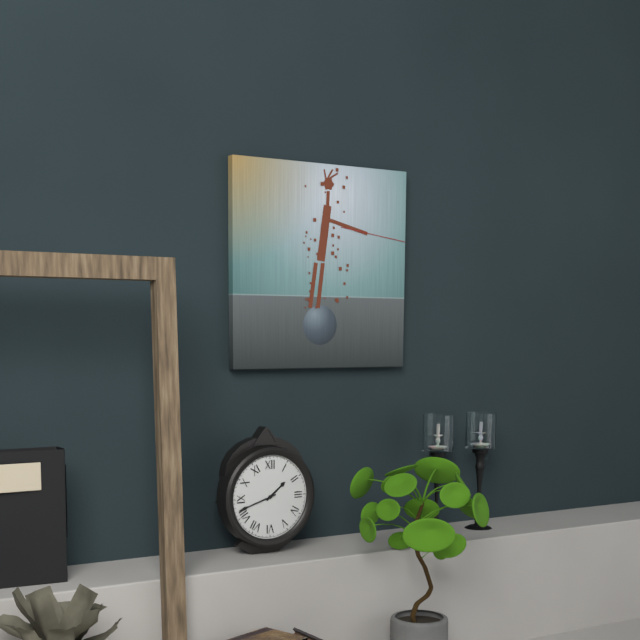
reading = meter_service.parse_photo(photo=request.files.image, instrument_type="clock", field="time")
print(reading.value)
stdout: 1:42
